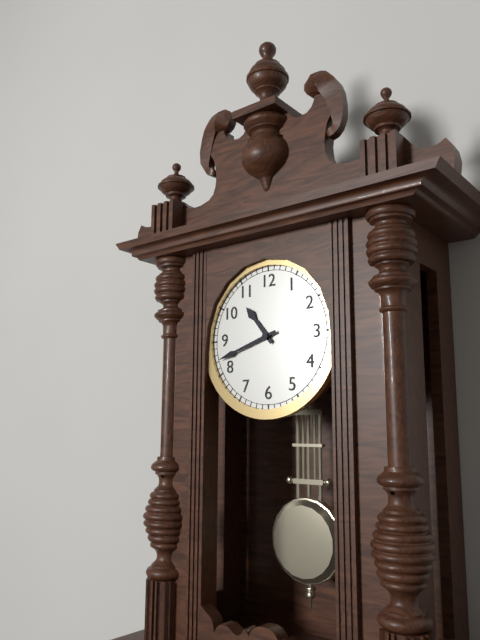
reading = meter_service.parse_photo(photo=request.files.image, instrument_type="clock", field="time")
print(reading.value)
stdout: 10:42
